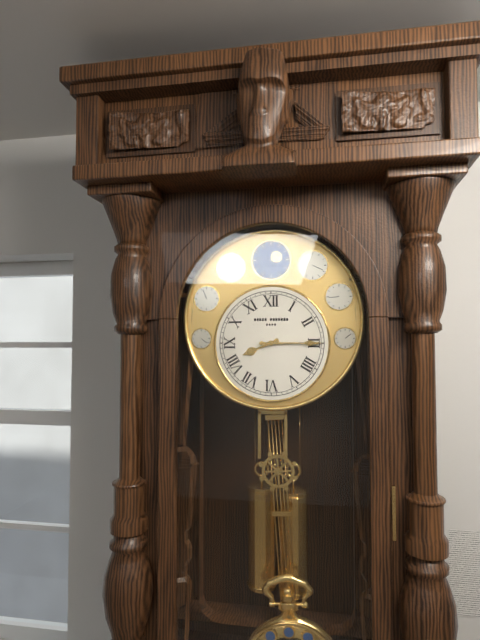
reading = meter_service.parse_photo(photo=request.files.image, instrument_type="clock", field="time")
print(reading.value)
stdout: 8:15
